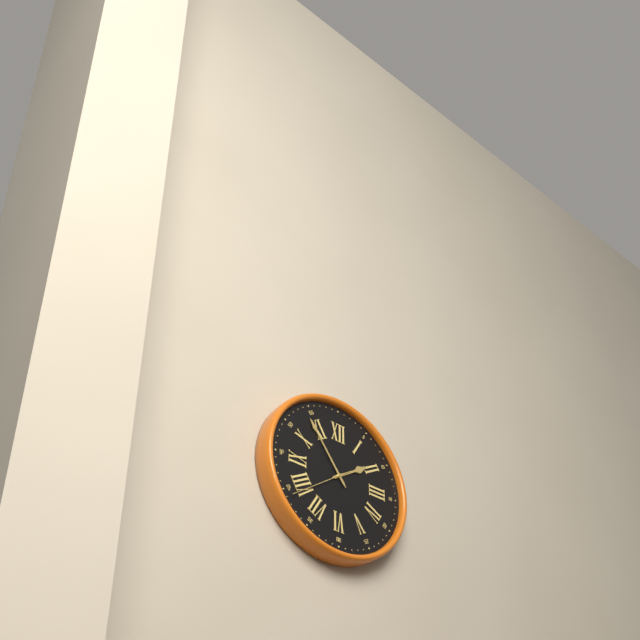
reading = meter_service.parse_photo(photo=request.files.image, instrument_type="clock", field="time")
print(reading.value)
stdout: 1:54
